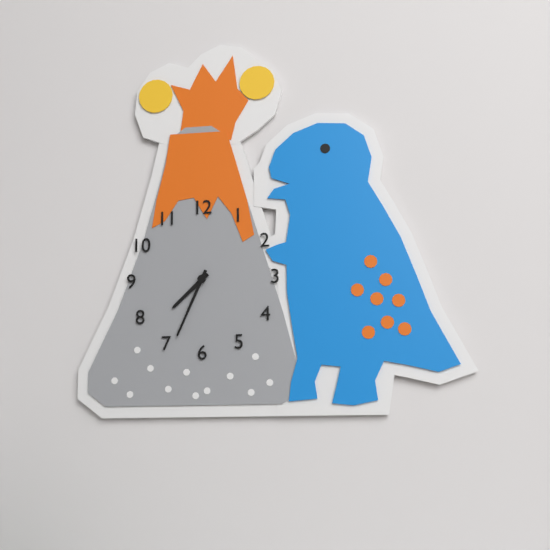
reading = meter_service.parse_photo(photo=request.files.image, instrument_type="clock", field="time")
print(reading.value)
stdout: 7:34
